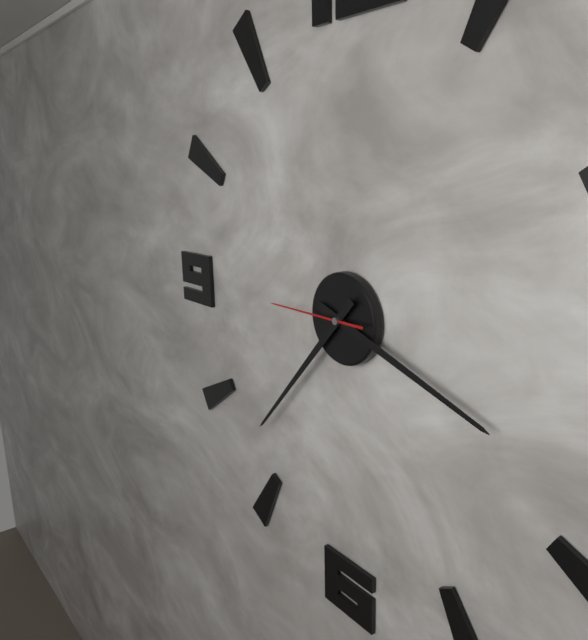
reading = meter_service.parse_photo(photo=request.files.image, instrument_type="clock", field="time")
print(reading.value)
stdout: 3:37:45
